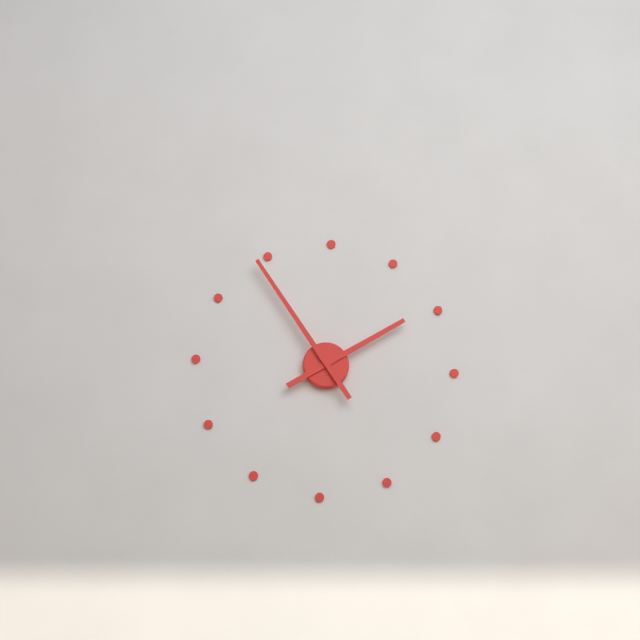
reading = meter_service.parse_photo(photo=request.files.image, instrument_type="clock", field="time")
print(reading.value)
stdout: 1:54
